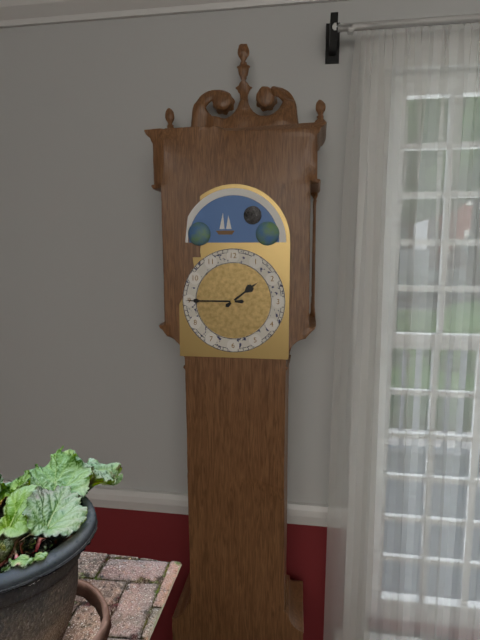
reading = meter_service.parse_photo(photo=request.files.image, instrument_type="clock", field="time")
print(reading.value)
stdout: 1:45
